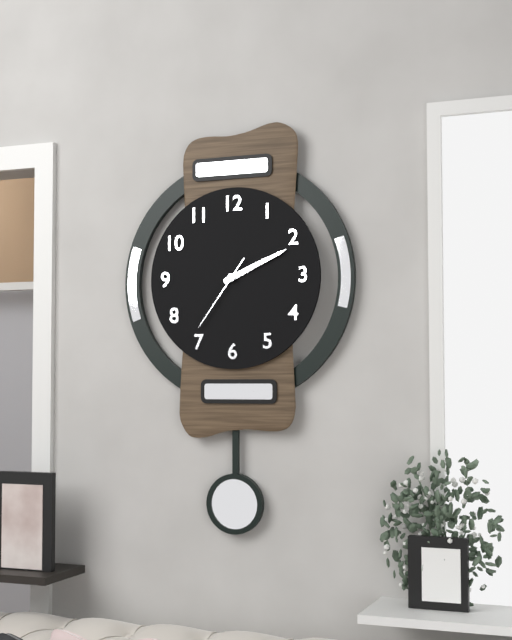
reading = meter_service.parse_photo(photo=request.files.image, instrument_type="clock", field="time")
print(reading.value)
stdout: 2:11:36
